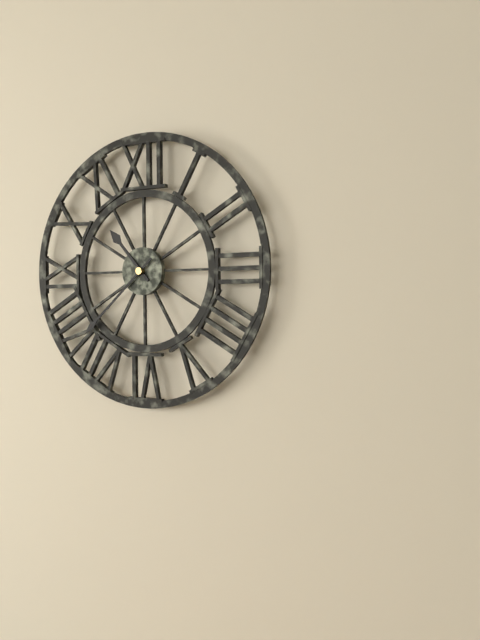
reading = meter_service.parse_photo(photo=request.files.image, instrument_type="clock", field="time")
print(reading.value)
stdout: 10:38
